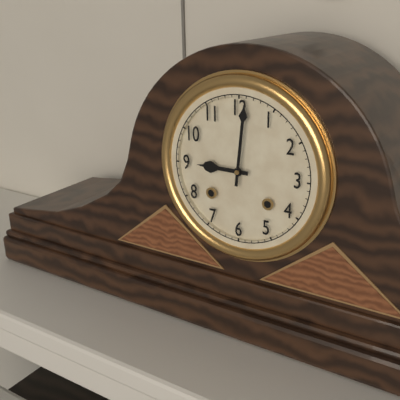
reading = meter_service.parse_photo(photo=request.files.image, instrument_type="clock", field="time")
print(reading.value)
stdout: 9:01
